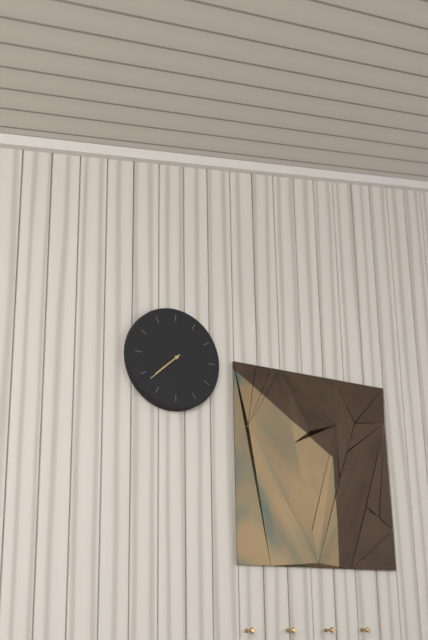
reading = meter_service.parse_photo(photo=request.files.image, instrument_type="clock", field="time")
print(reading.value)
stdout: 7:38
